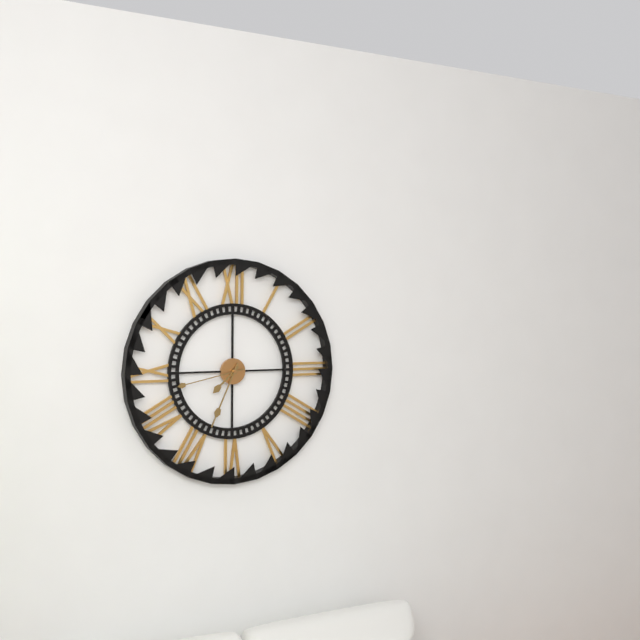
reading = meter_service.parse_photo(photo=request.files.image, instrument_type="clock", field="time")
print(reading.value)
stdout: 7:34:43
